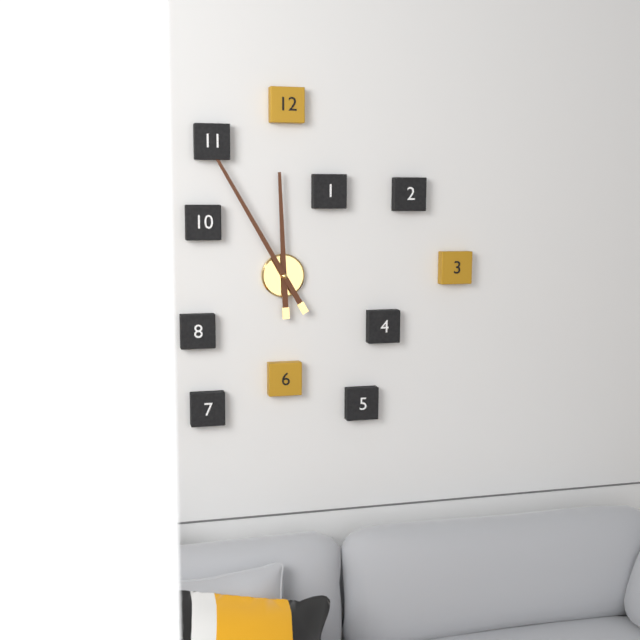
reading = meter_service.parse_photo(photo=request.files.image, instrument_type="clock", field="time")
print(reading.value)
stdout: 11:55
